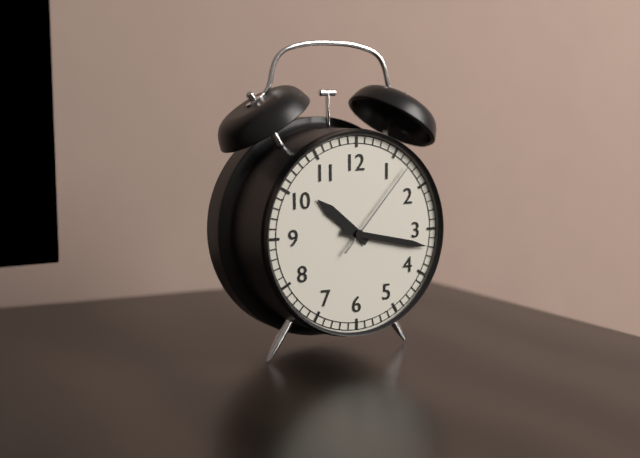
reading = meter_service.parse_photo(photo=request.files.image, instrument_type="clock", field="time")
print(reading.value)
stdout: 10:17:07
